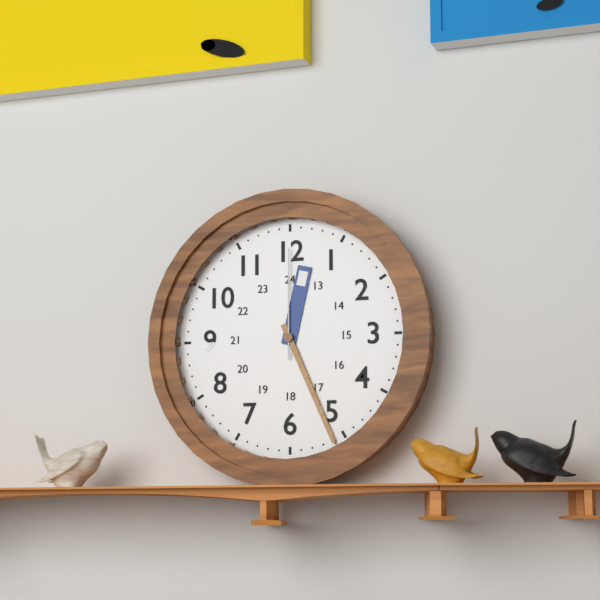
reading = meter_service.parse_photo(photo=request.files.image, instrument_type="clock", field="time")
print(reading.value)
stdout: 12:26:00
